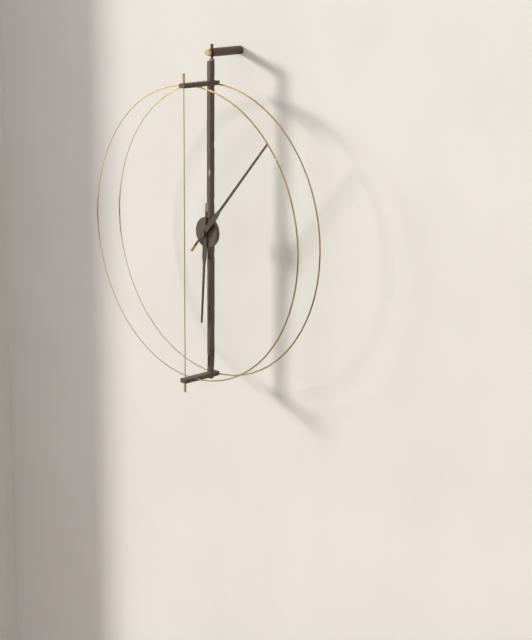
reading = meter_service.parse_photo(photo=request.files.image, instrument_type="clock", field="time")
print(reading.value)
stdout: 6:07
